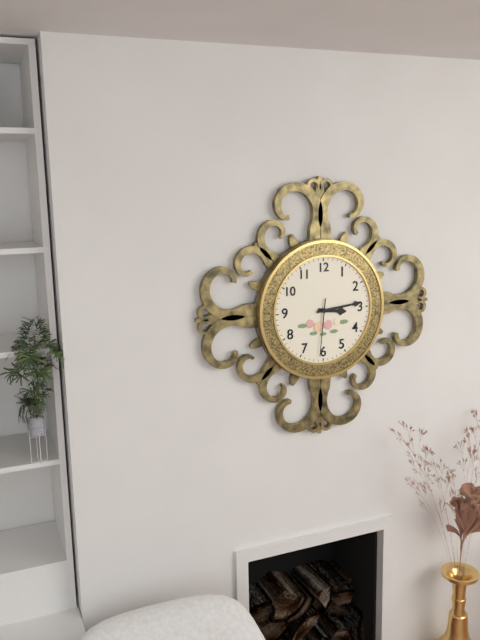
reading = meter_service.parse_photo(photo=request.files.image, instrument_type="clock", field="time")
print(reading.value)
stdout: 3:14:31
